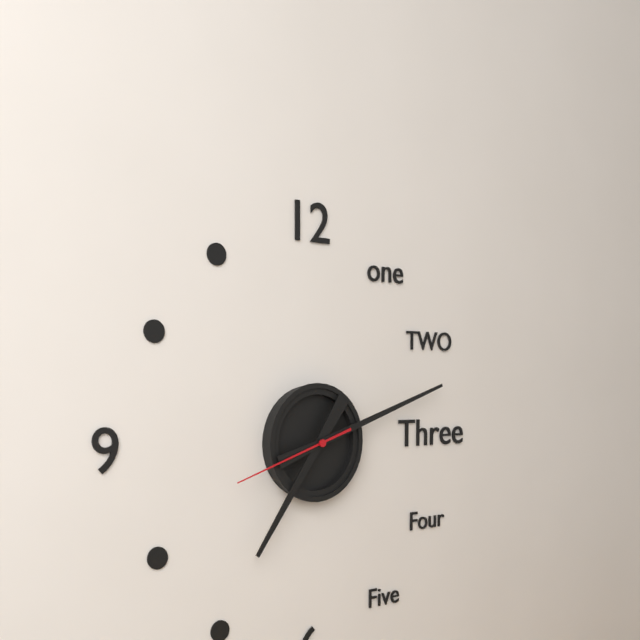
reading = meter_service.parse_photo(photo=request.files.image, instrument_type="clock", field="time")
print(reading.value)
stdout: 7:12:42
